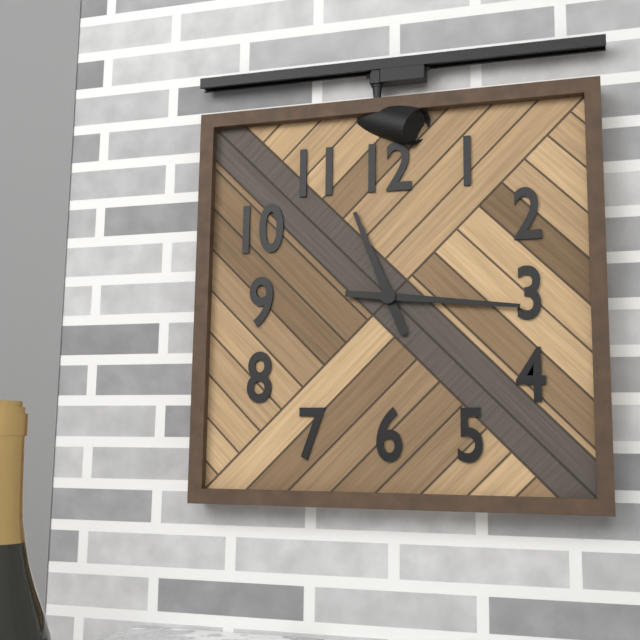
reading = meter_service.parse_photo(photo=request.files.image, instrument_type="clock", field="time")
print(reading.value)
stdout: 11:16
